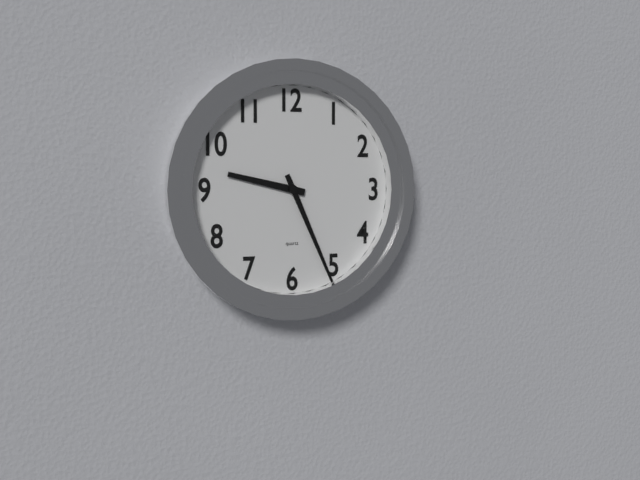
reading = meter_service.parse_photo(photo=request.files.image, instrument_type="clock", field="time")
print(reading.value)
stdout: 9:26
